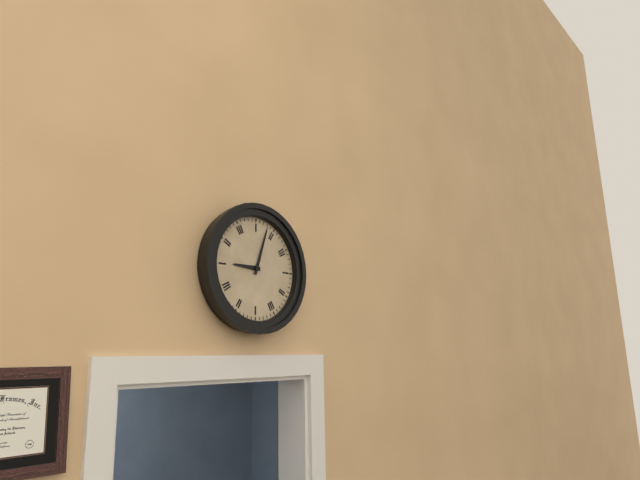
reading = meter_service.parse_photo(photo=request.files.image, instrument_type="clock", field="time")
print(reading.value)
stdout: 9:03
